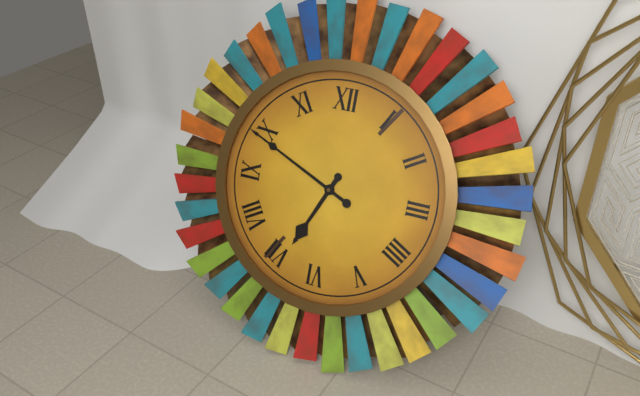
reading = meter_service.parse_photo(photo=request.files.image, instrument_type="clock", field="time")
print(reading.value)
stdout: 6:49
